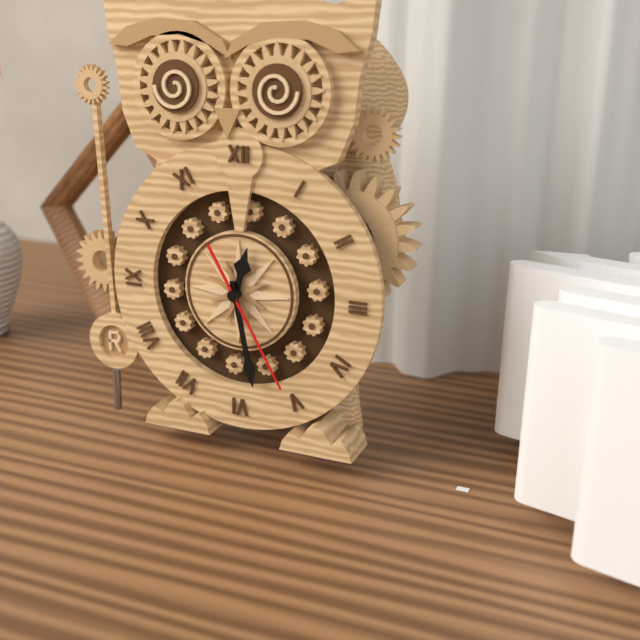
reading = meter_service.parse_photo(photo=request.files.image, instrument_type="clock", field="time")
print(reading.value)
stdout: 12:28:25
